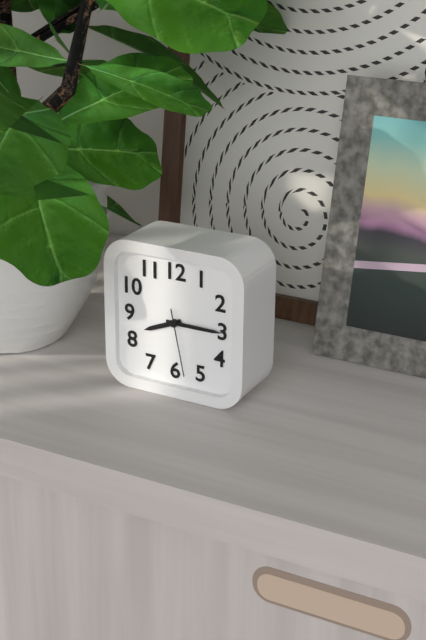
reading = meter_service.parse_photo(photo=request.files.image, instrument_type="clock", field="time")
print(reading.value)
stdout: 8:15:28
